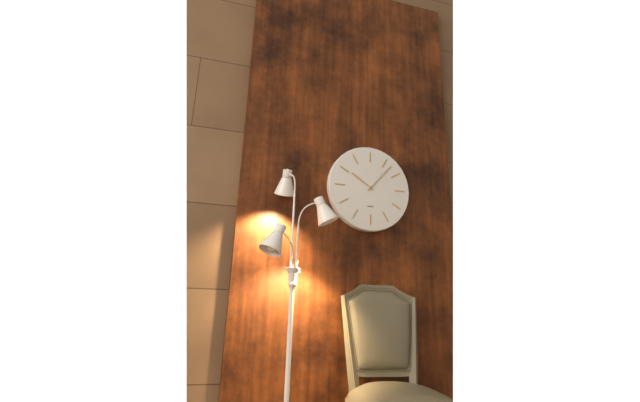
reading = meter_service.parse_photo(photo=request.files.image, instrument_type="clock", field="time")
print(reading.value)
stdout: 10:07
